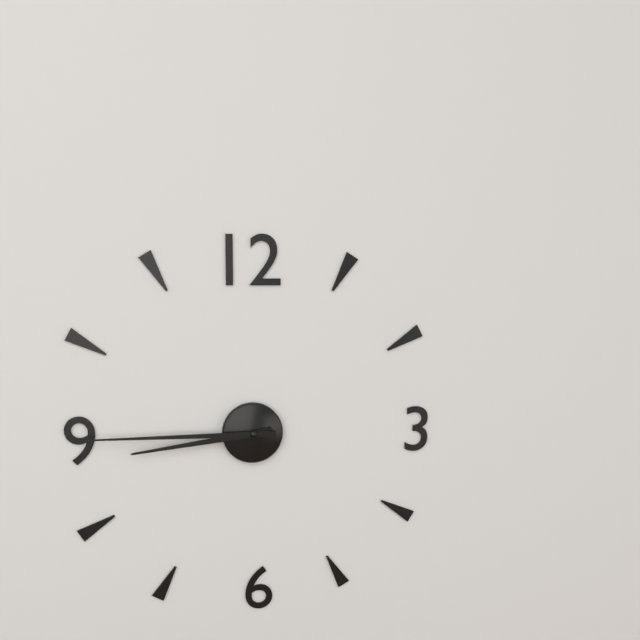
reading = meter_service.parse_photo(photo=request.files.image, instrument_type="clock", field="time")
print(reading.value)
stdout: 8:45
